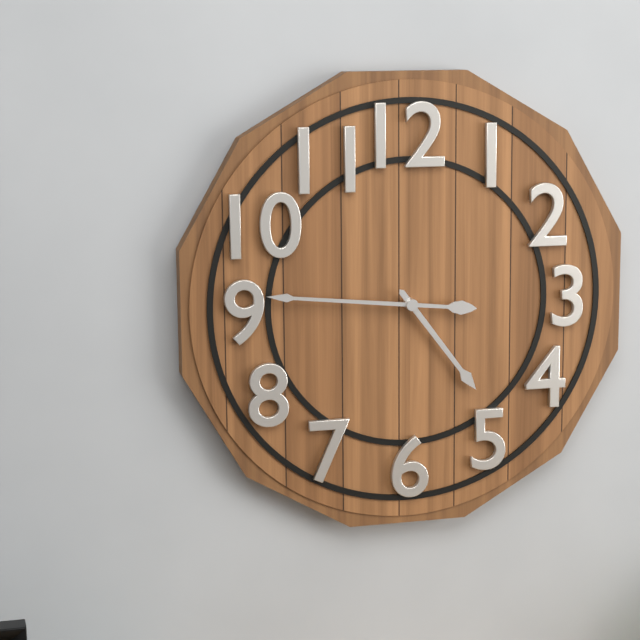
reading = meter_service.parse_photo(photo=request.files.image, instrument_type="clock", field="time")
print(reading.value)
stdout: 4:46
